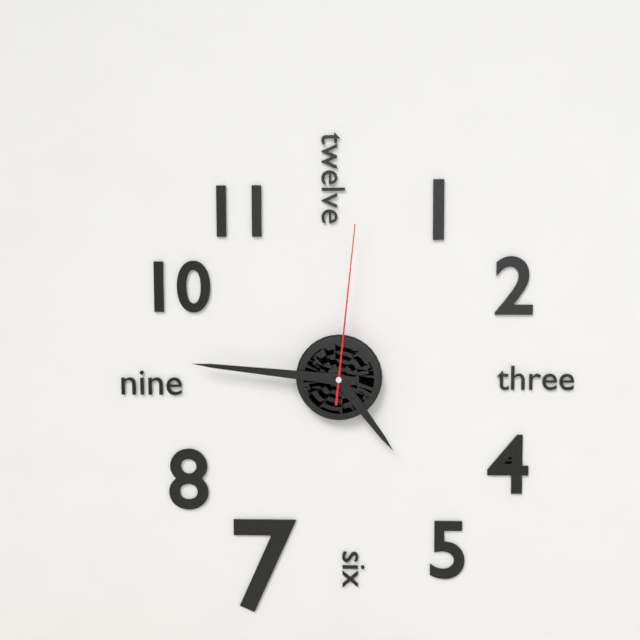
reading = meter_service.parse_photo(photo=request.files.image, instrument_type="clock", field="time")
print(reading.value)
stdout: 4:46:01
